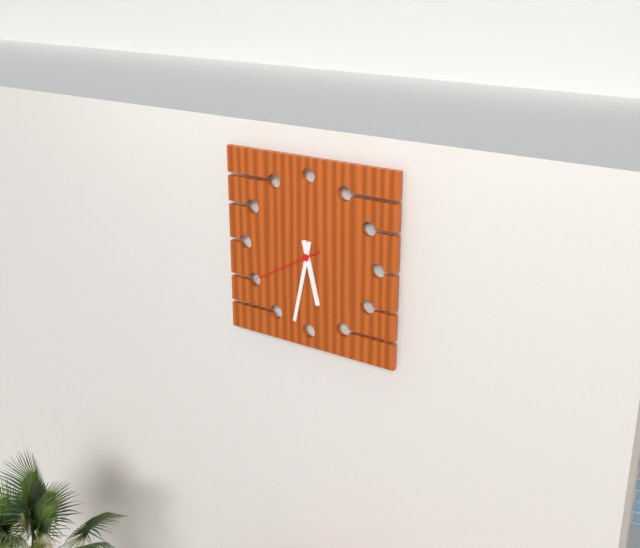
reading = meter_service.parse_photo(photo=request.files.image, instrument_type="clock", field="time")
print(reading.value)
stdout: 5:32:40
